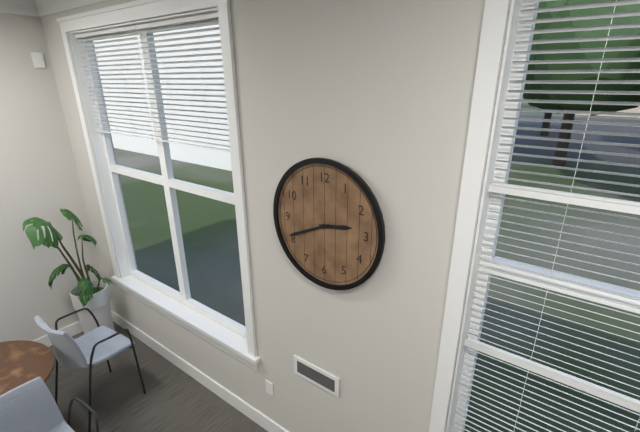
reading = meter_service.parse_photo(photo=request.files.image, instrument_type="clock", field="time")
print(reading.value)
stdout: 2:41
